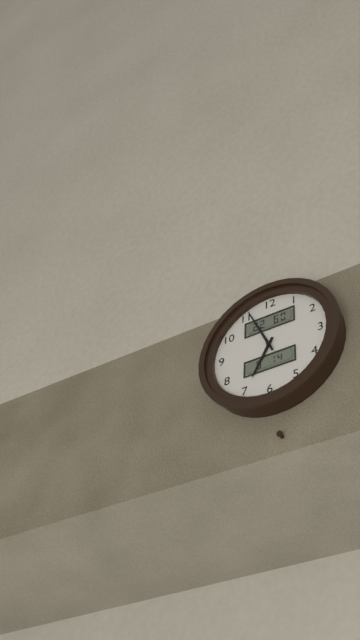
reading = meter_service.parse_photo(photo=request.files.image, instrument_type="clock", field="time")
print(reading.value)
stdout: 6:56
